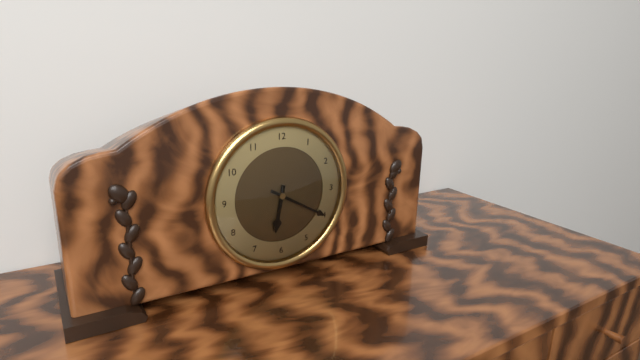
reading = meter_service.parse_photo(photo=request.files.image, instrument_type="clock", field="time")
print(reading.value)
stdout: 6:20
